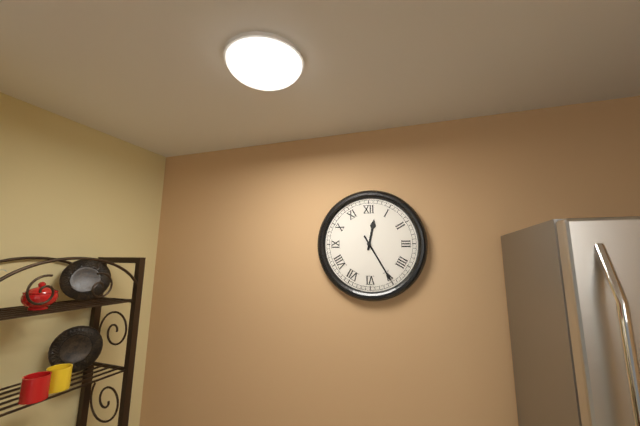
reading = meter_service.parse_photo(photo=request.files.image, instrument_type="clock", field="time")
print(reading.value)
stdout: 12:25
